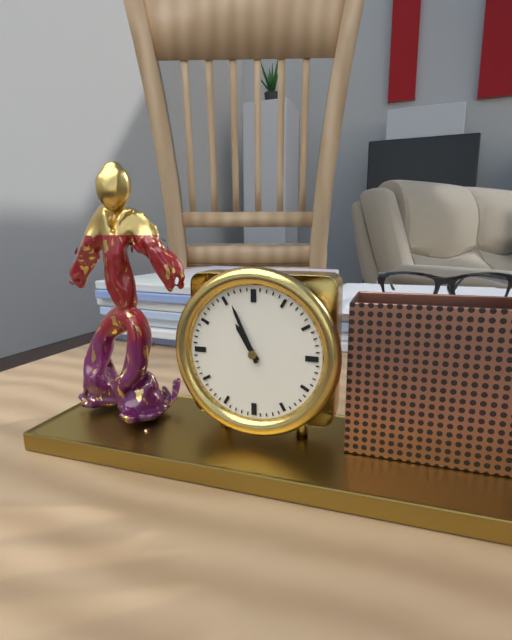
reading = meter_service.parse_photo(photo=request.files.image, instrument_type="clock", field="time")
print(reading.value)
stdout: 10:56
